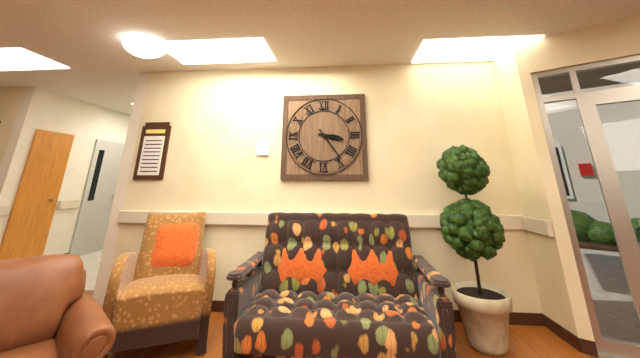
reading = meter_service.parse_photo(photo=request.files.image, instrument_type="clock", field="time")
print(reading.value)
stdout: 3:24
